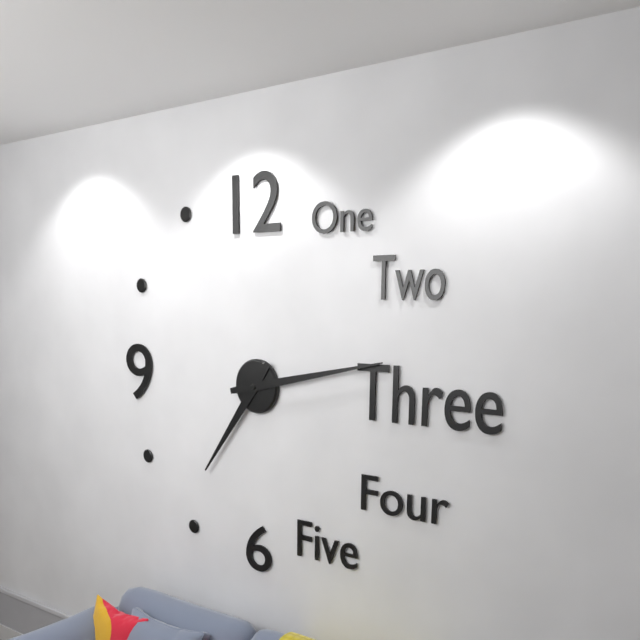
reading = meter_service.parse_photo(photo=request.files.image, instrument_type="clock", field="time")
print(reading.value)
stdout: 7:13
